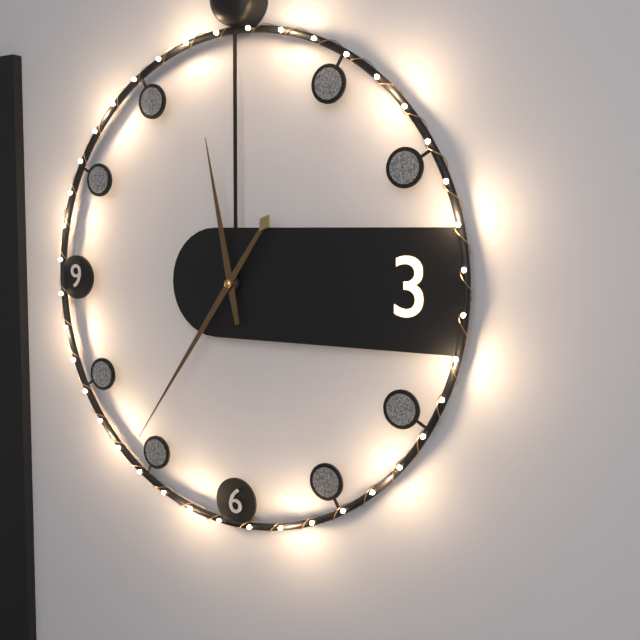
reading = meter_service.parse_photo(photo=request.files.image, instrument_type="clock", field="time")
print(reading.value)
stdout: 11:36
